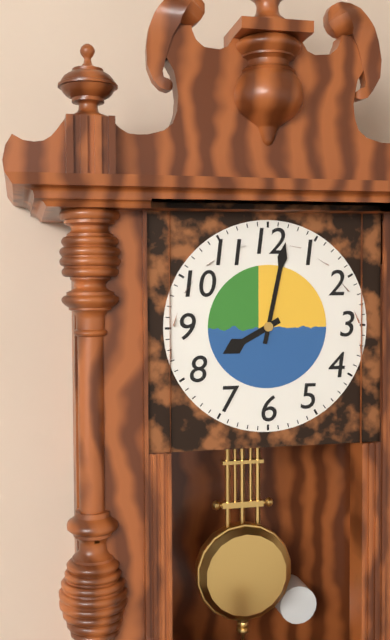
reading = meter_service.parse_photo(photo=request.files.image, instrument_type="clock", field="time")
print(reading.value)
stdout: 8:02
